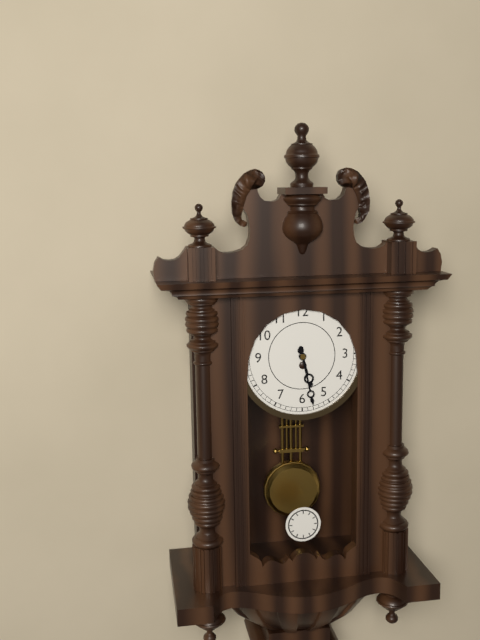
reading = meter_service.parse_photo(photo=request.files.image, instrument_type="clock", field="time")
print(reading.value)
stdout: 5:28
